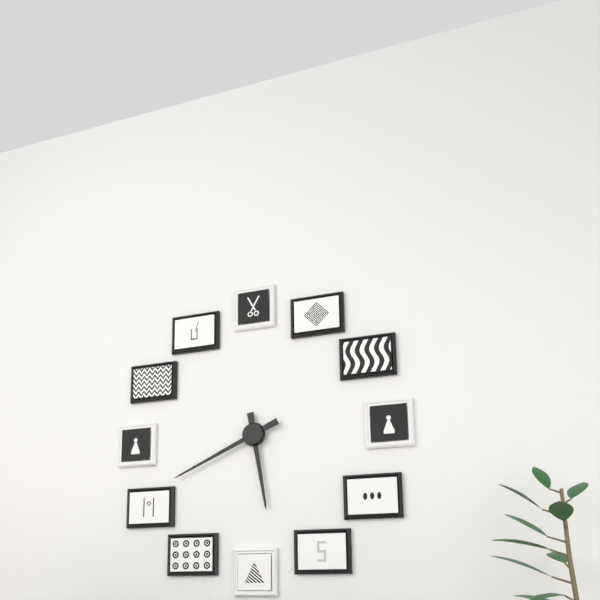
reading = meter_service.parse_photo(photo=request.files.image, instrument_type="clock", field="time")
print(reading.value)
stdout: 5:41
